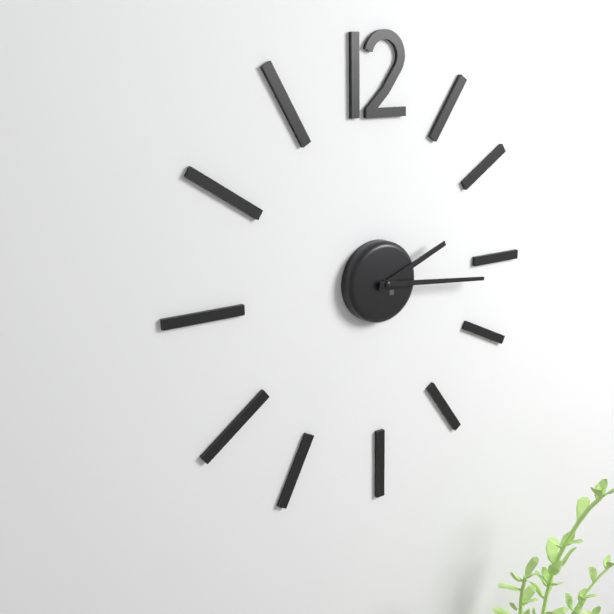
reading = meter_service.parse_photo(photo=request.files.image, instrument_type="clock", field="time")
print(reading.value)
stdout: 2:16
